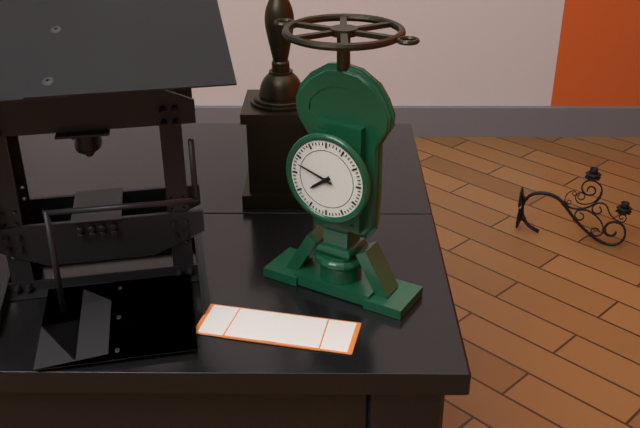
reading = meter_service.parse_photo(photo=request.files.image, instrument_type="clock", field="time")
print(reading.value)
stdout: 7:48
